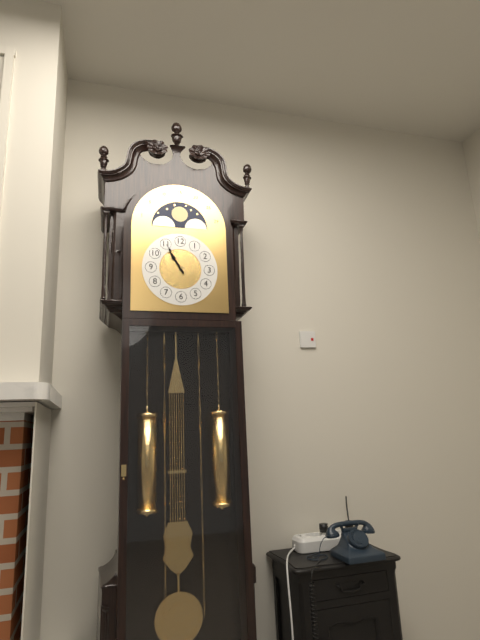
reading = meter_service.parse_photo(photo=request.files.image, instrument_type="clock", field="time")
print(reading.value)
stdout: 10:55
